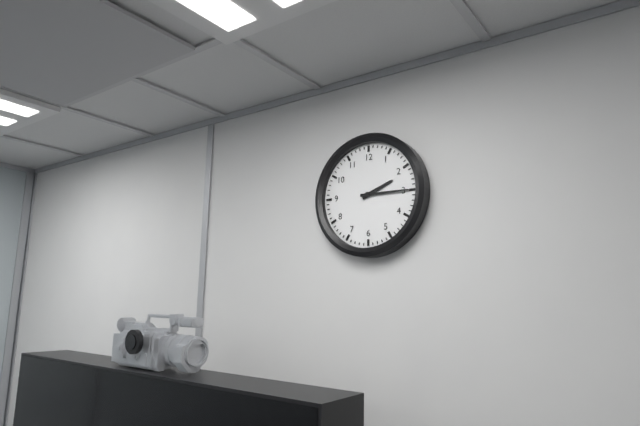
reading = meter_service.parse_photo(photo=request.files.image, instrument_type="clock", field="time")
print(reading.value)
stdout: 2:15
